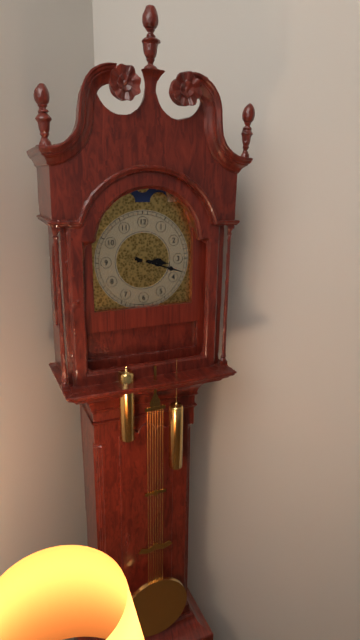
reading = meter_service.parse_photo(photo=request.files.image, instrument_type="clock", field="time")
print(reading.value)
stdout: 3:18
